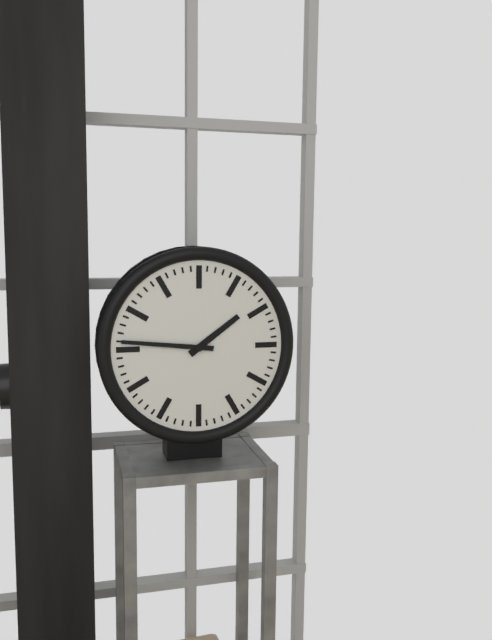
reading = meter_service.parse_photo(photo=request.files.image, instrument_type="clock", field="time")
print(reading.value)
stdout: 1:46
